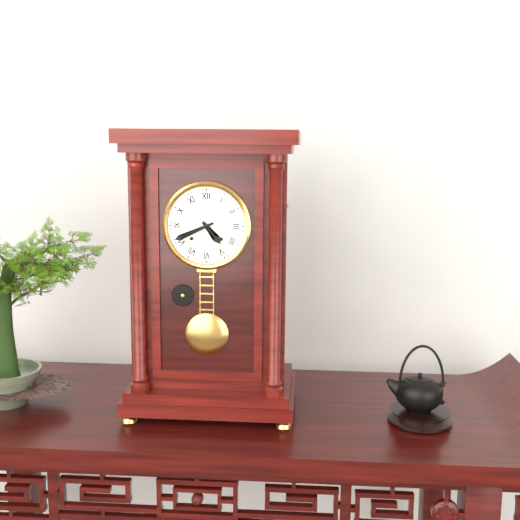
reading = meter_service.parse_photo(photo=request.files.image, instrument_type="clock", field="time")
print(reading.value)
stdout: 4:41
